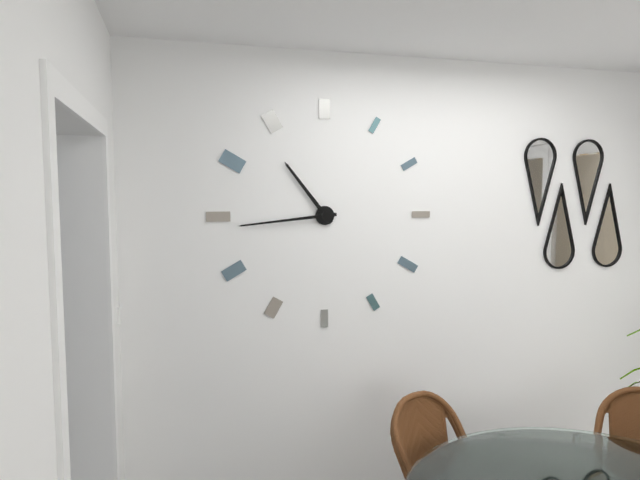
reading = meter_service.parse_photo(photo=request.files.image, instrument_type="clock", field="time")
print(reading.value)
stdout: 10:44
